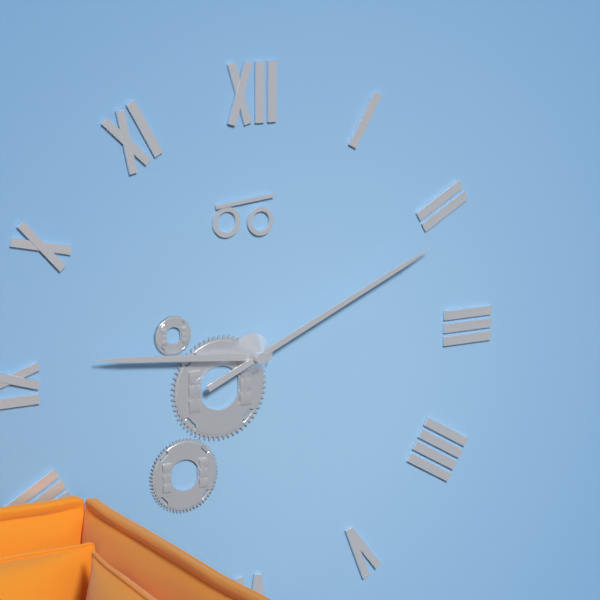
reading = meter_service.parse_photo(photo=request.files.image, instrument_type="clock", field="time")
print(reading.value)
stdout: 9:11
